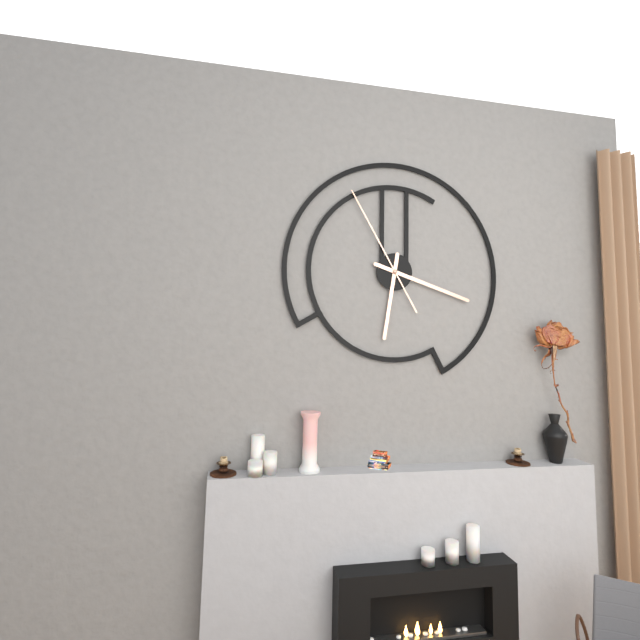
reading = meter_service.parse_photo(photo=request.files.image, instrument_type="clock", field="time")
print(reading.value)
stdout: 6:18:55
